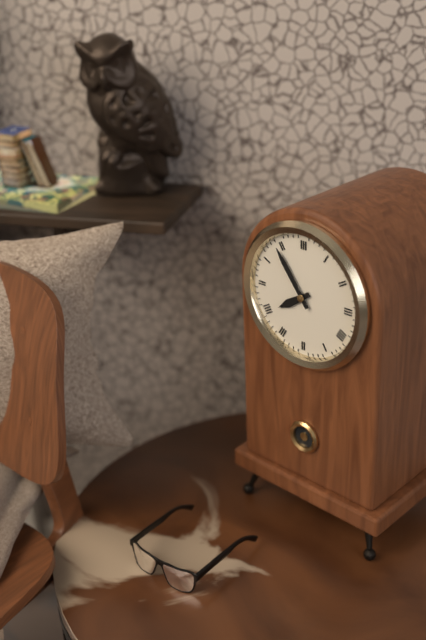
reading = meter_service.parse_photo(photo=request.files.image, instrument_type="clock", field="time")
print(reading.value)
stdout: 7:54
